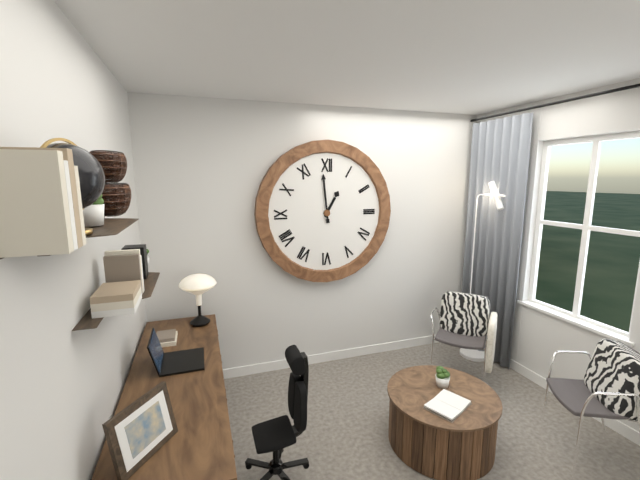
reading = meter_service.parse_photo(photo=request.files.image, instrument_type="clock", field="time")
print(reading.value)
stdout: 12:59
